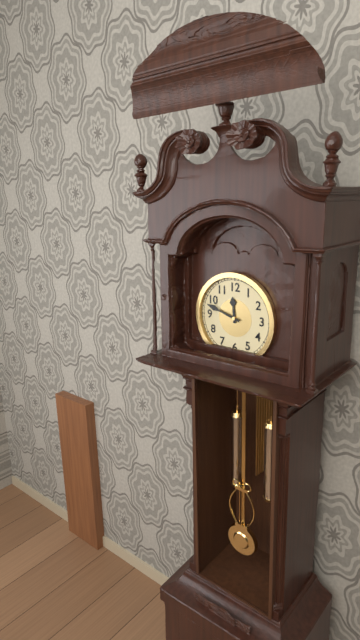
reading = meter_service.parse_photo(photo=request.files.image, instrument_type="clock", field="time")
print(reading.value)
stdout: 11:48
